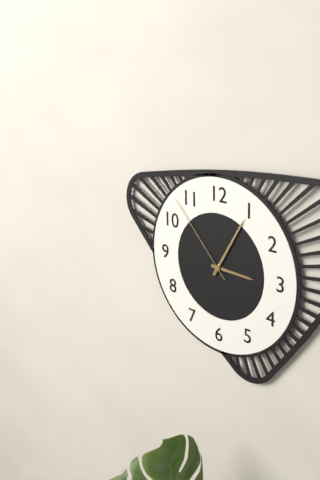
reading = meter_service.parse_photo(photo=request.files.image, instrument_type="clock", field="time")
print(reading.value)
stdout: 3:05:53
